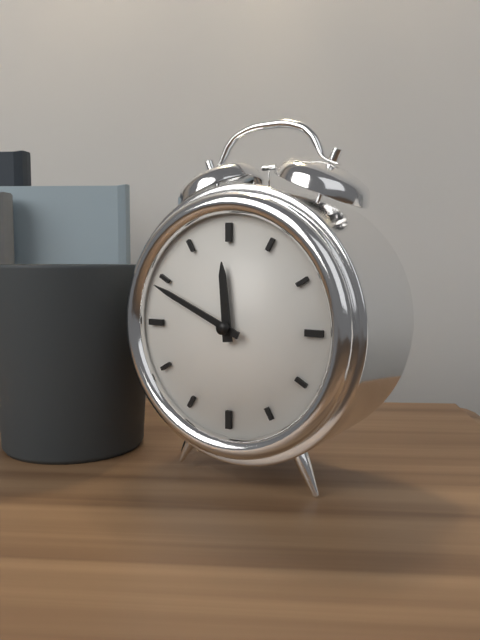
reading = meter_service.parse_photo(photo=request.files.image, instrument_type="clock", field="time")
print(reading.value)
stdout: 11:49
